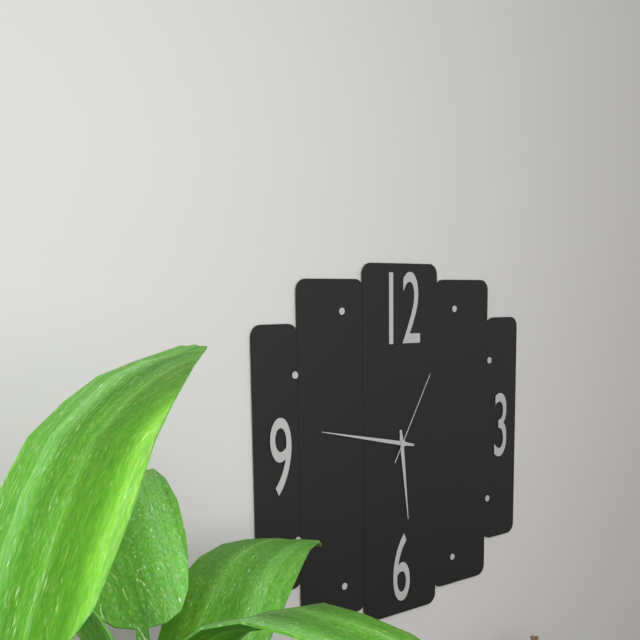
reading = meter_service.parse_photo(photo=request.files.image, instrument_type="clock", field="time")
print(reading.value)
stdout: 5:47:05
